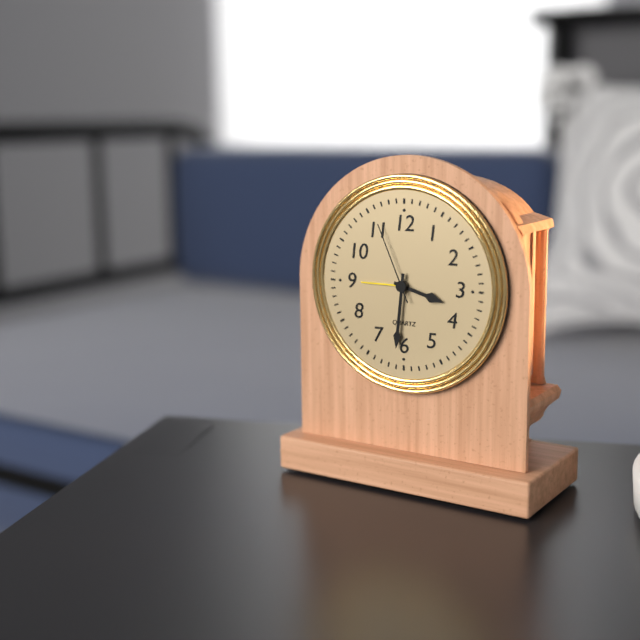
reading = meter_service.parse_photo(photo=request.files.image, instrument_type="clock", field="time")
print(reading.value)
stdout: 3:31:56
